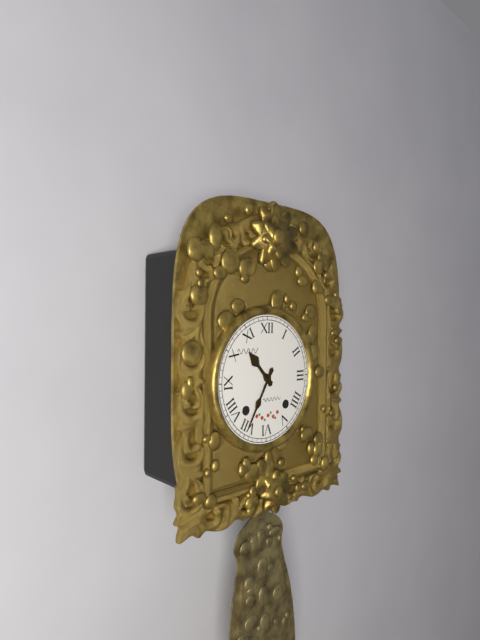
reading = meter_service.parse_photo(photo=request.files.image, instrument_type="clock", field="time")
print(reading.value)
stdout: 10:35
